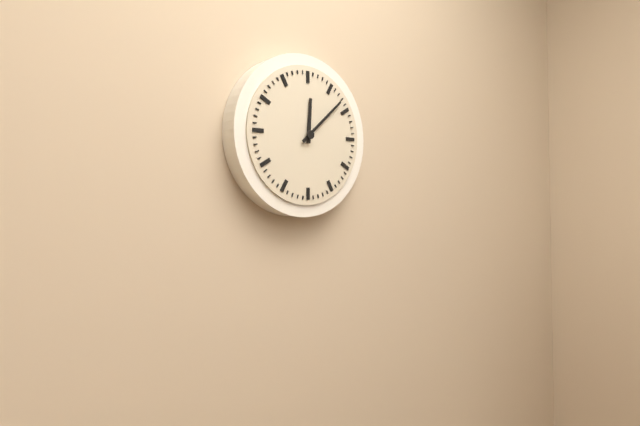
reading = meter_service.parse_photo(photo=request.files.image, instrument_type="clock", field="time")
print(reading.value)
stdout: 12:08
